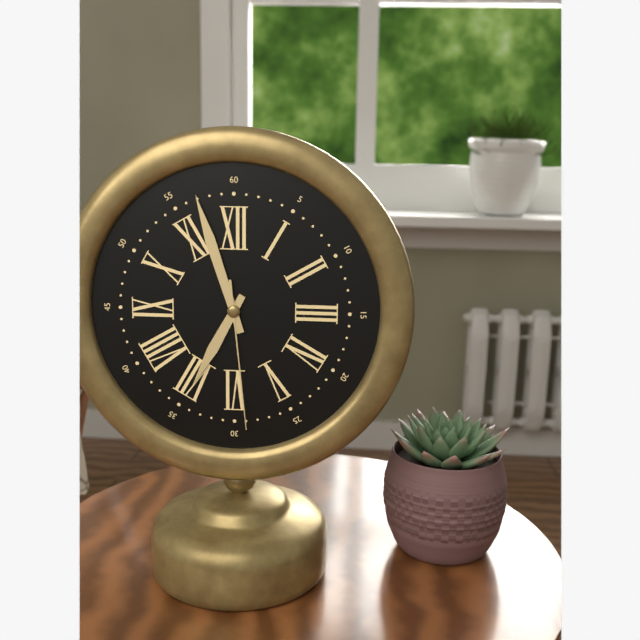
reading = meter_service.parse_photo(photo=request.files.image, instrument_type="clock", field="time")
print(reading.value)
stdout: 6:57:29
